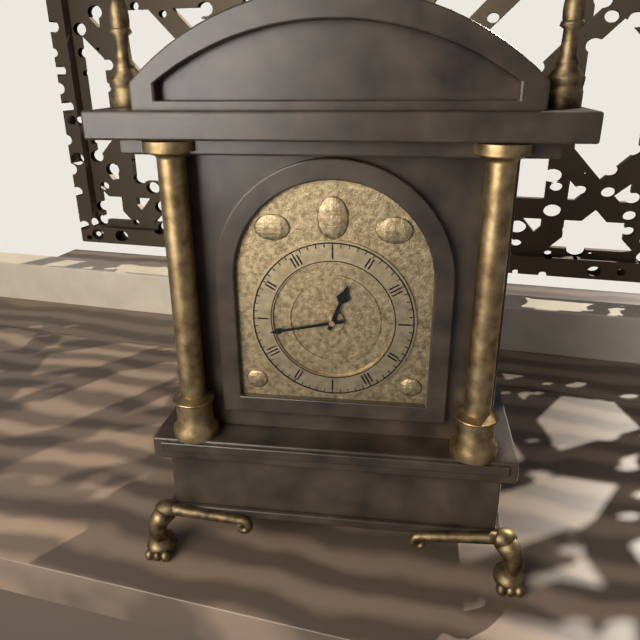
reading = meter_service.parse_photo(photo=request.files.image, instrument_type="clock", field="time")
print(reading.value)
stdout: 12:43
